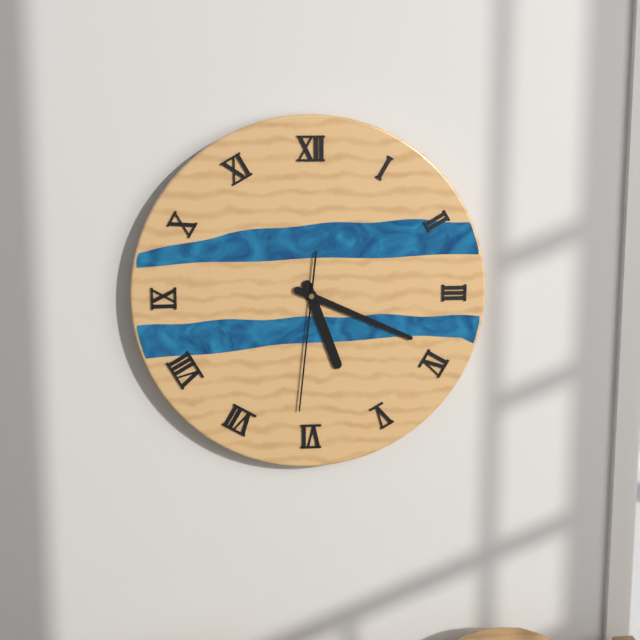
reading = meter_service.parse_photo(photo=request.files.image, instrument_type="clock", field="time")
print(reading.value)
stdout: 5:19:31
